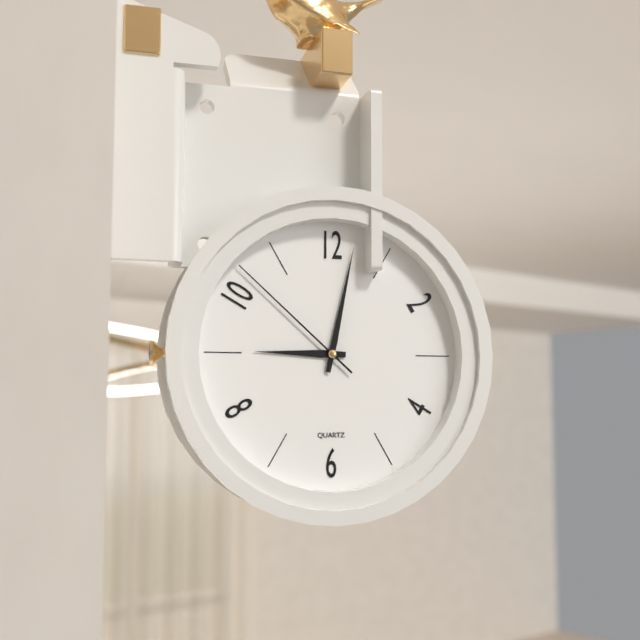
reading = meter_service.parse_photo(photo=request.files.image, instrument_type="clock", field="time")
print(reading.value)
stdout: 9:02:52
